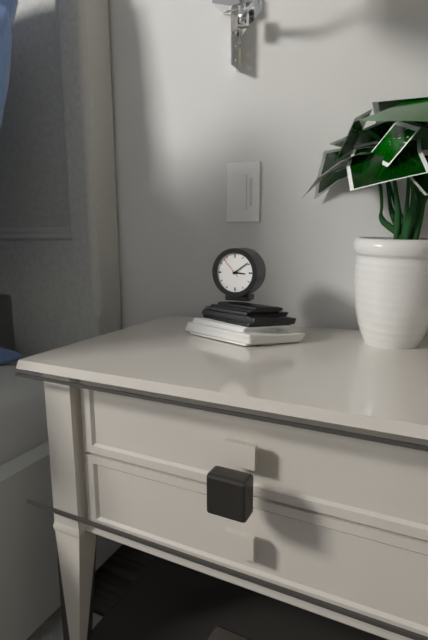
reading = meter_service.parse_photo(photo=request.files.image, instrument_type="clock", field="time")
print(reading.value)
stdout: 3:09
